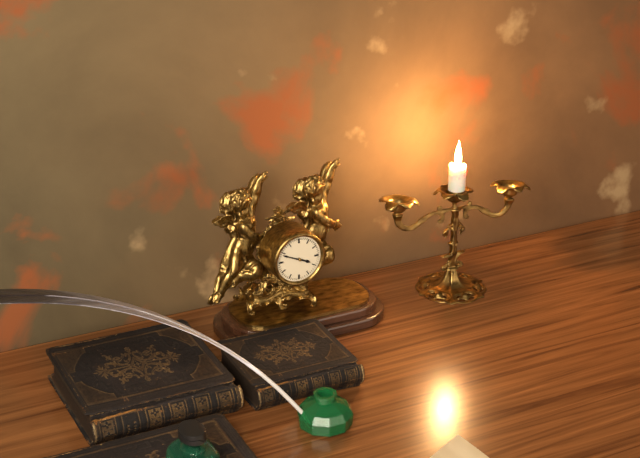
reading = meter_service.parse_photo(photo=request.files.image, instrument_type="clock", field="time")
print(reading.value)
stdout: 3:49
